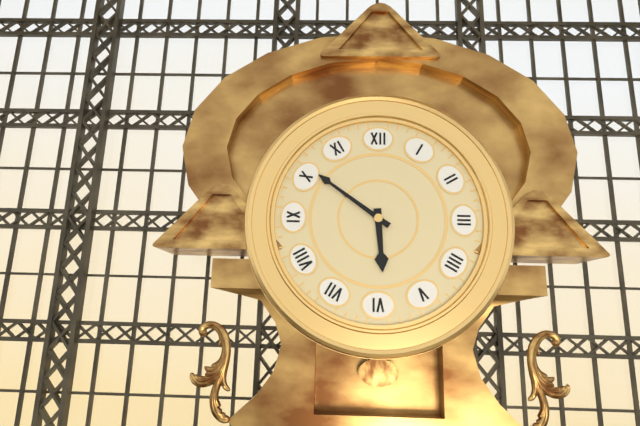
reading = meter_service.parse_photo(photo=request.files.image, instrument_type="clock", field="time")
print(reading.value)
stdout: 5:51
